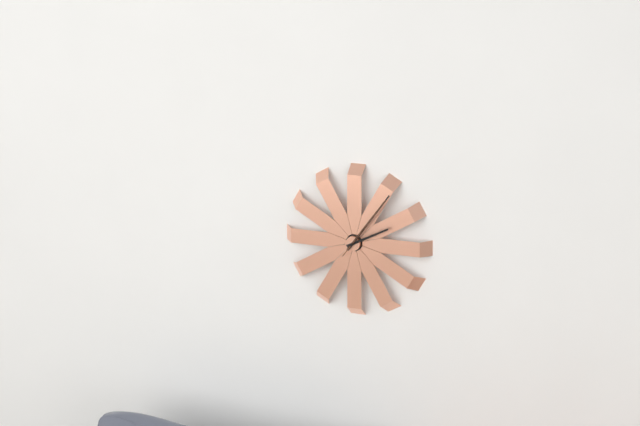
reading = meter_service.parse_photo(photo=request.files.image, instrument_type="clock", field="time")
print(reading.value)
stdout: 2:06:06
